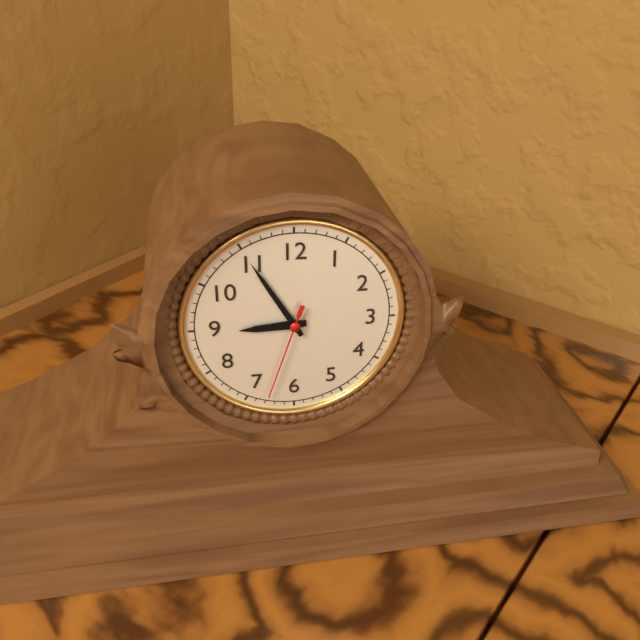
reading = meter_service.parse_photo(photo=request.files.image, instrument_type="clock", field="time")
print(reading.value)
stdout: 8:55:33
